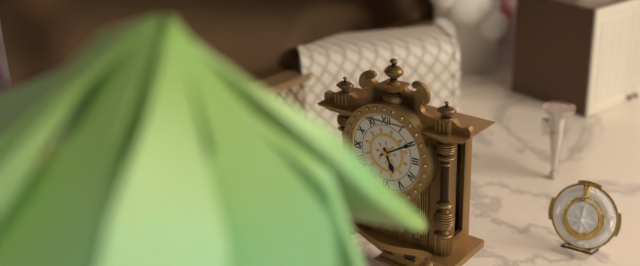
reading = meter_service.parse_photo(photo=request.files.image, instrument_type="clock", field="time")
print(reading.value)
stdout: 5:10
